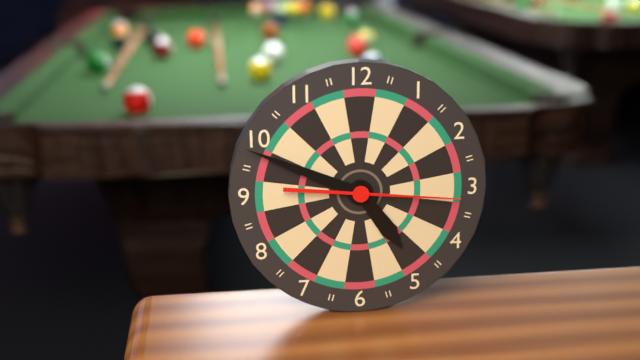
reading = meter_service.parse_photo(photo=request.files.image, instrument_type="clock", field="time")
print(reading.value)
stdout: 4:49:16
